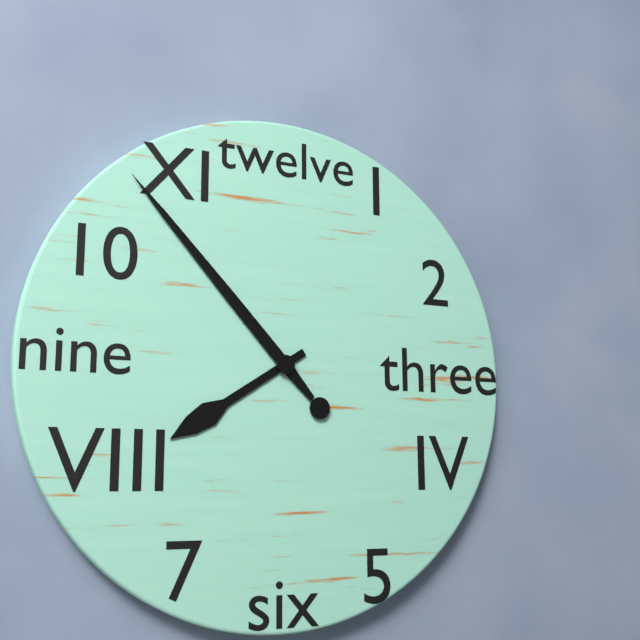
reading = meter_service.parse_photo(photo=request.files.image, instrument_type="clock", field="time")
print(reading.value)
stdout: 7:53
